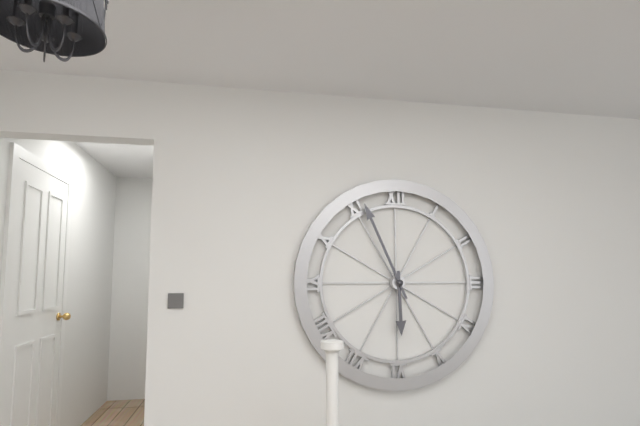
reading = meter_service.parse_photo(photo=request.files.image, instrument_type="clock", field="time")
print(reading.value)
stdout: 5:56
